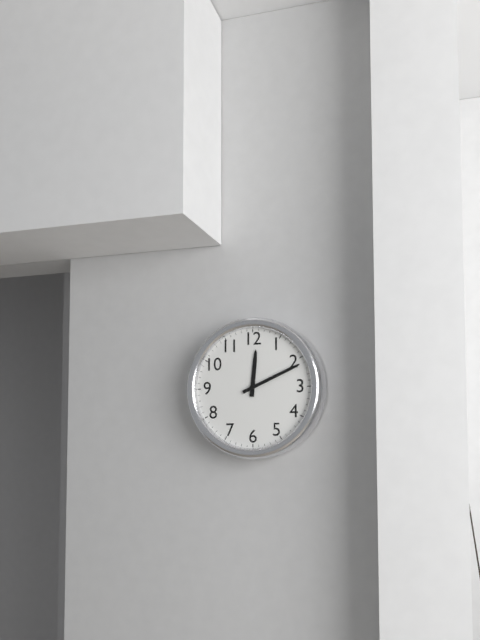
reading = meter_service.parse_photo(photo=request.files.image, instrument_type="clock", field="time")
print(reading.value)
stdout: 12:11
